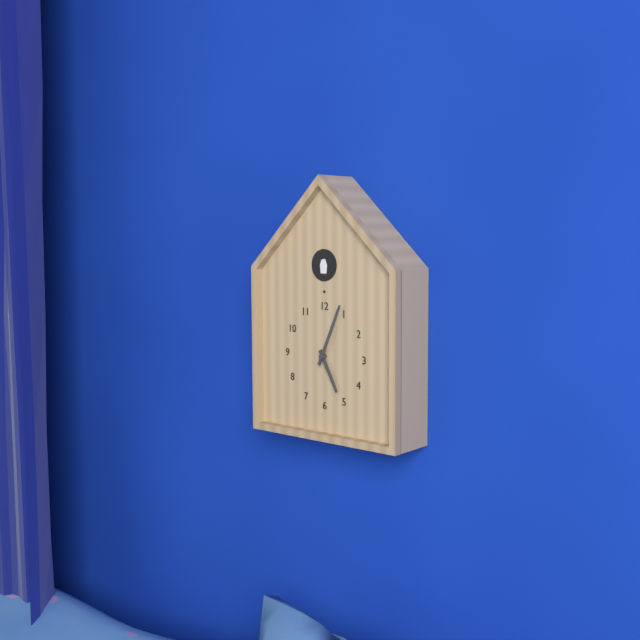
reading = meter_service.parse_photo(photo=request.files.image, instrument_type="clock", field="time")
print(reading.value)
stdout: 5:04
